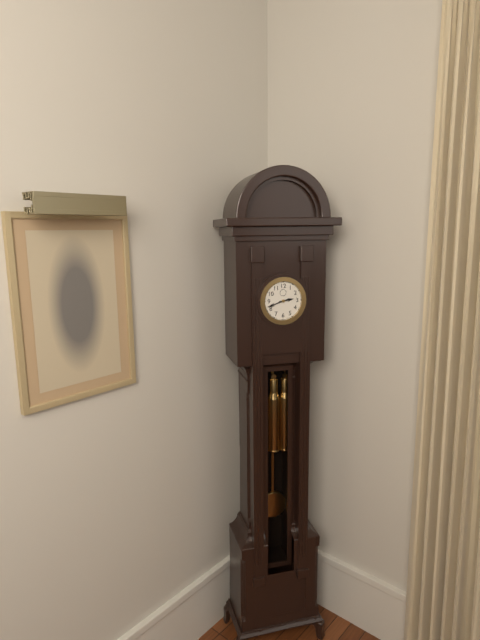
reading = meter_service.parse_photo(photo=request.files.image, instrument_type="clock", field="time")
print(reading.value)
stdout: 2:42
